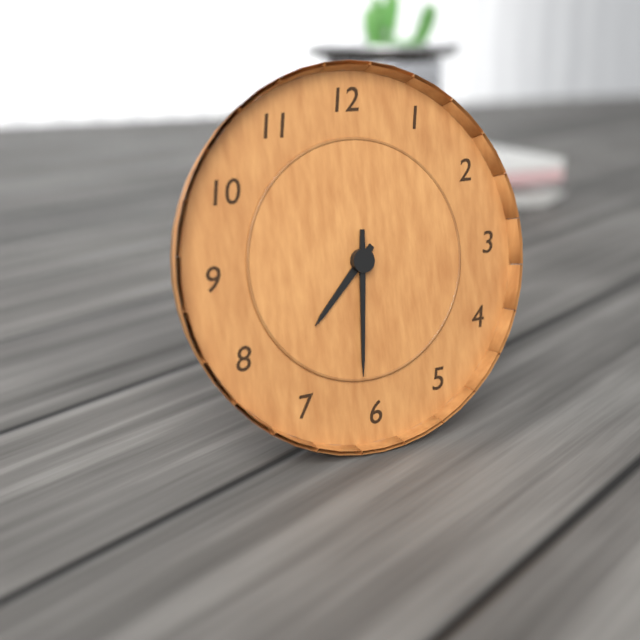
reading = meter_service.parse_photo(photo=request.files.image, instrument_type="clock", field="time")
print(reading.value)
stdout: 7:31
